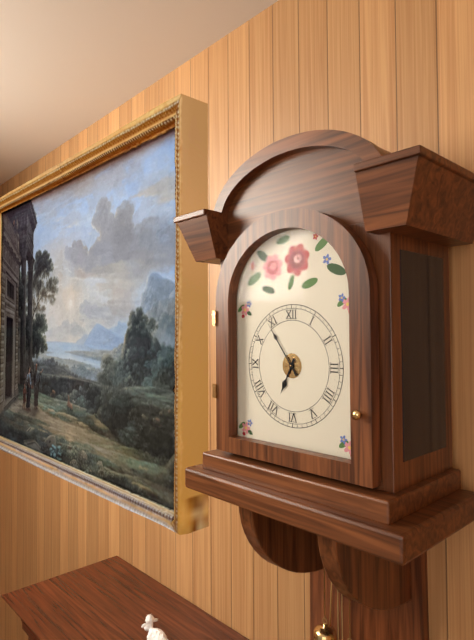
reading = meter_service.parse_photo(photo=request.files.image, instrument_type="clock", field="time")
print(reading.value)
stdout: 6:54
